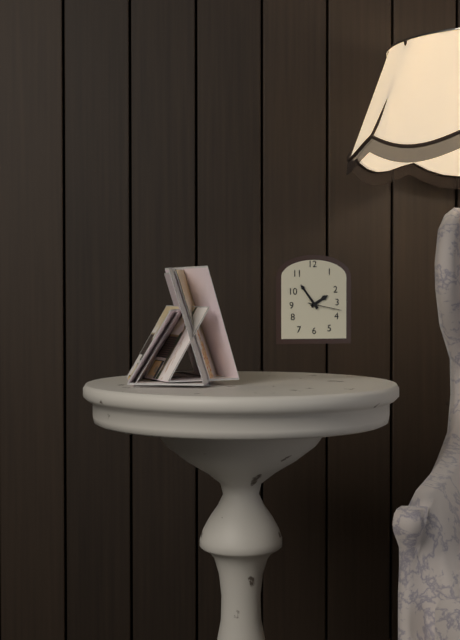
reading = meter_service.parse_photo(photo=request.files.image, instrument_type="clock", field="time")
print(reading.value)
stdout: 1:54
